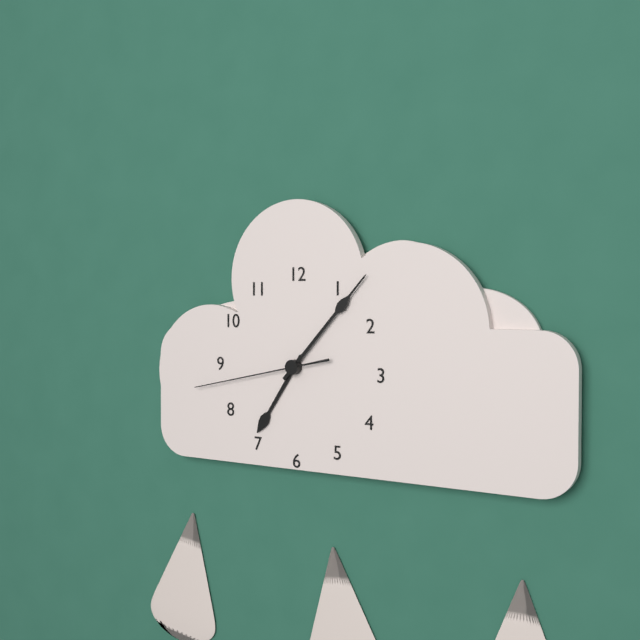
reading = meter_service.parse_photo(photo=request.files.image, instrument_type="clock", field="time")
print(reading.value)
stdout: 7:07:43
